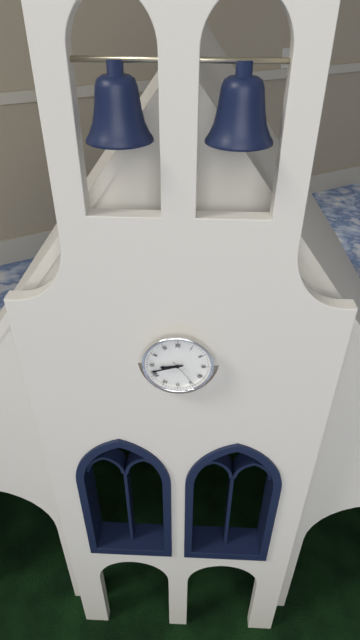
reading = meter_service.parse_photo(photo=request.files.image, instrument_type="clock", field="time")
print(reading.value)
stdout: 8:42
